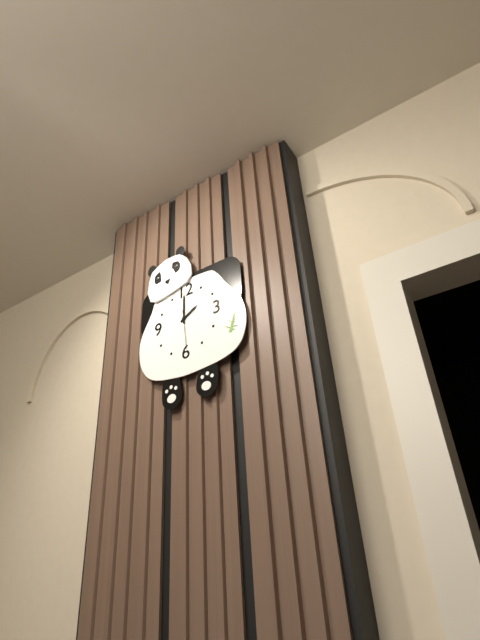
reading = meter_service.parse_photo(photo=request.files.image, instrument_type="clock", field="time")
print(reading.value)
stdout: 2:00
